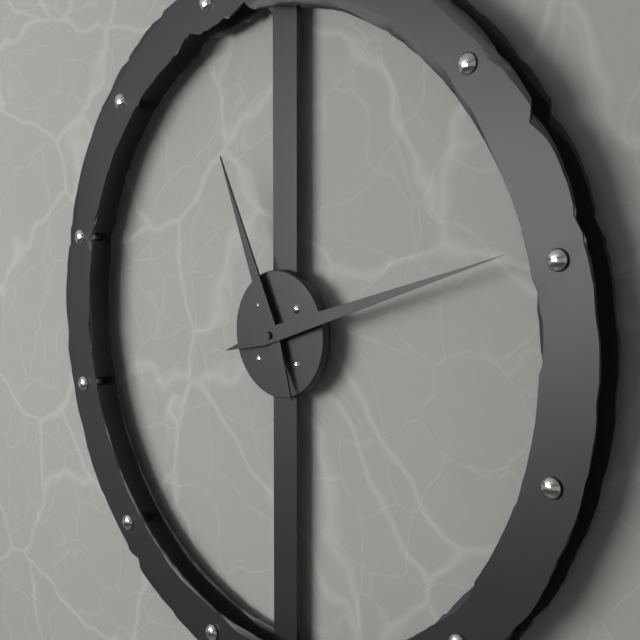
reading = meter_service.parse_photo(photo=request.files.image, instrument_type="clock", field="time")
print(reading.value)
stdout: 11:12
